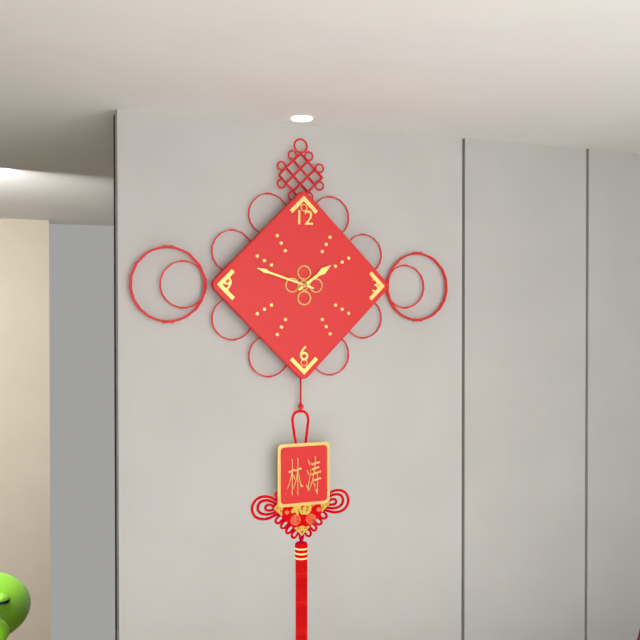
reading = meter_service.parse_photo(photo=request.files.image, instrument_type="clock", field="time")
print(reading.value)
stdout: 1:48
